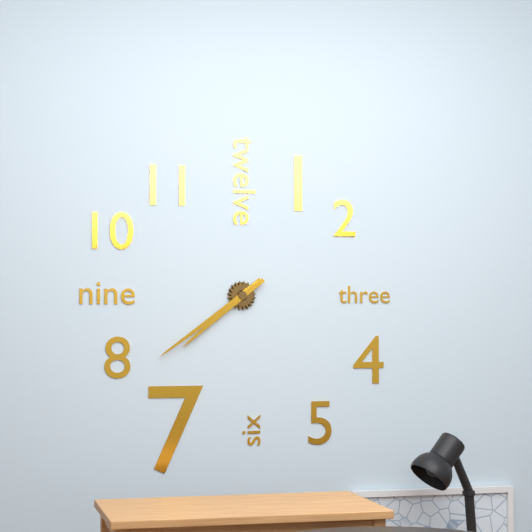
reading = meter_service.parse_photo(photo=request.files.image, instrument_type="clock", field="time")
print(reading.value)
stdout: 7:39
